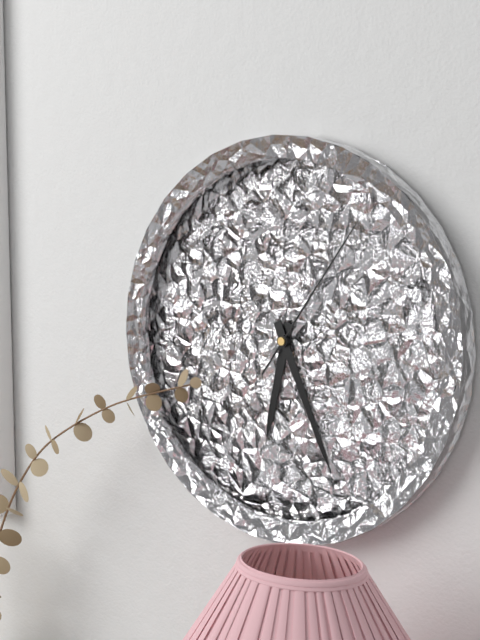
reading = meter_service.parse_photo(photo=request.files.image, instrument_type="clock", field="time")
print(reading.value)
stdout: 6:26:06
